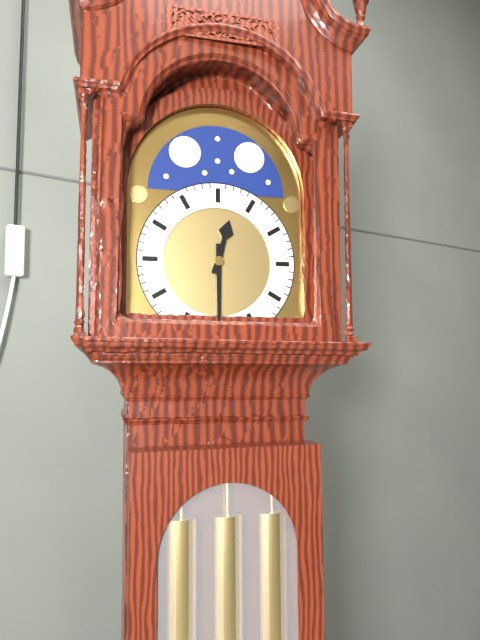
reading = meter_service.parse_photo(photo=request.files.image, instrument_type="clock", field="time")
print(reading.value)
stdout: 12:30
